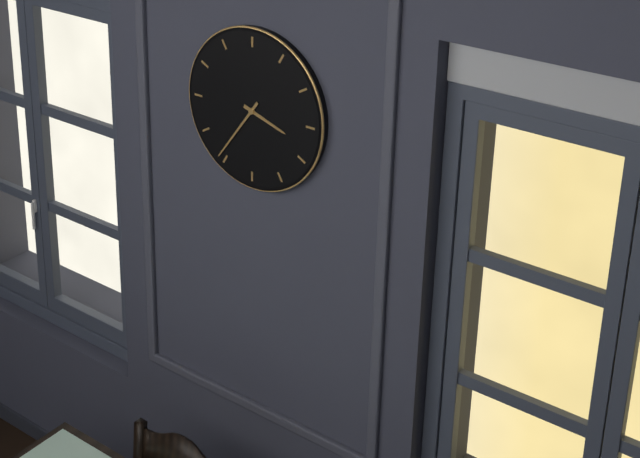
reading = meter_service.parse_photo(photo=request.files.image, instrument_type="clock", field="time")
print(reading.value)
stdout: 3:36
